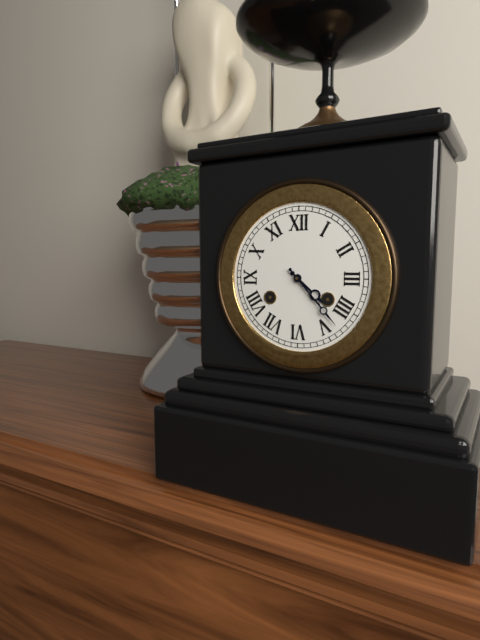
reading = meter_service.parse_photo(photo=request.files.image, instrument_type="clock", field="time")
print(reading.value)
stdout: 4:23
